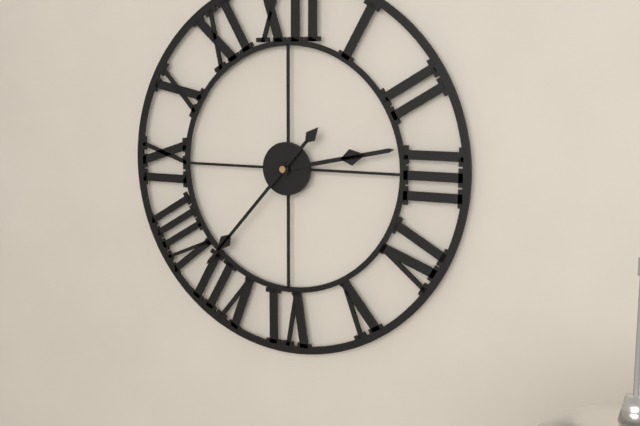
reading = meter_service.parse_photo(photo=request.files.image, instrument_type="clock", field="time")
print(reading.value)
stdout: 2:37
